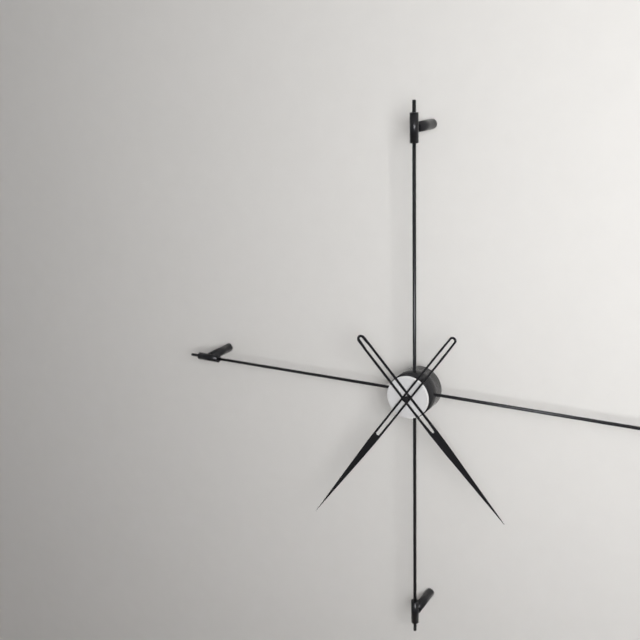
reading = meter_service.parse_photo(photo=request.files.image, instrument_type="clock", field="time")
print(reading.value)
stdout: 4:36
